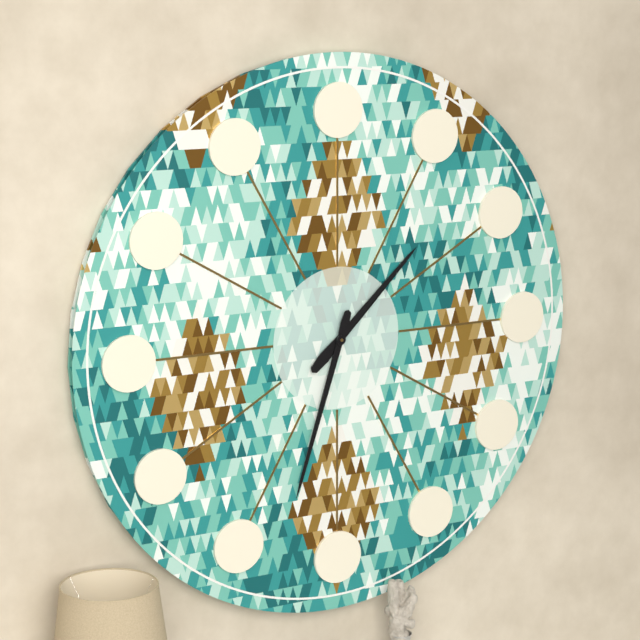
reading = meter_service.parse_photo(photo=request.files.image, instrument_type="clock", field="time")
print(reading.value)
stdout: 1:33
